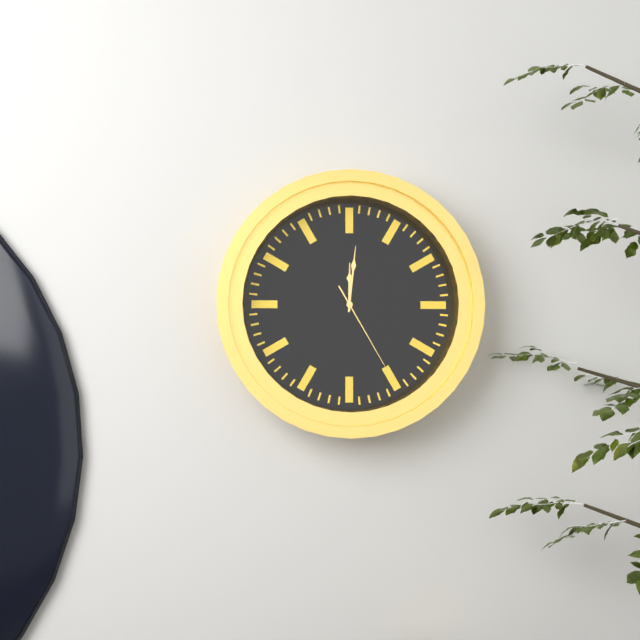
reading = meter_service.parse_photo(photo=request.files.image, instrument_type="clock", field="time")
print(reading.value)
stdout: 12:01:25
